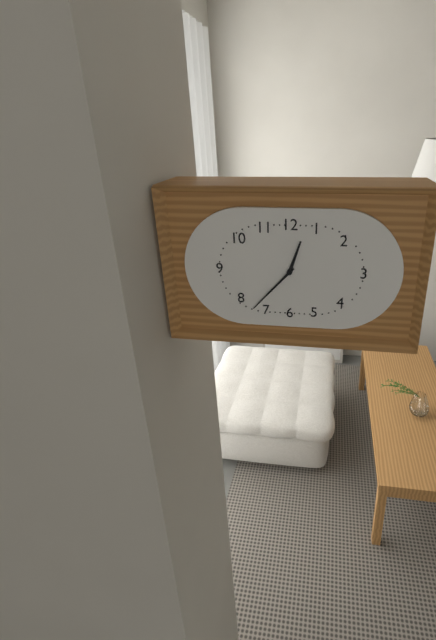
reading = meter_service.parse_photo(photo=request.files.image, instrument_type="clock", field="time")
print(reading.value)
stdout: 12:37
